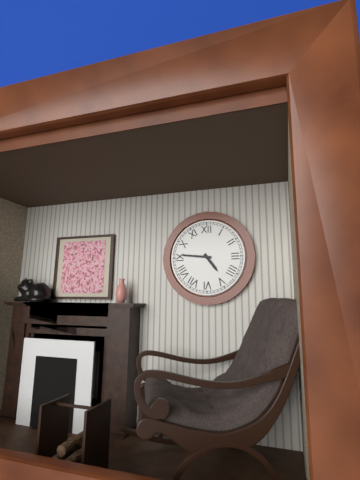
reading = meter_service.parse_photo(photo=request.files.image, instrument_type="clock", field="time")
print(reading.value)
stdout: 4:46
